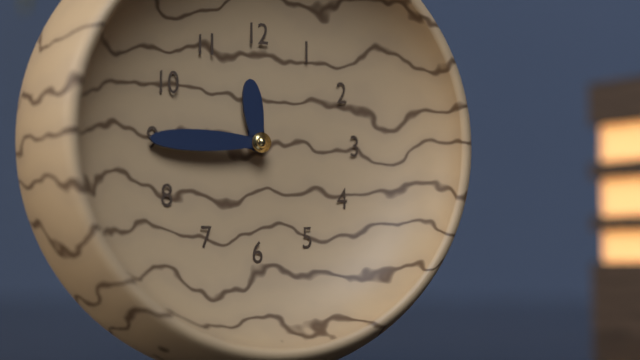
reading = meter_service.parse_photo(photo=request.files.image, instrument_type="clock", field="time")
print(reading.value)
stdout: 11:45
